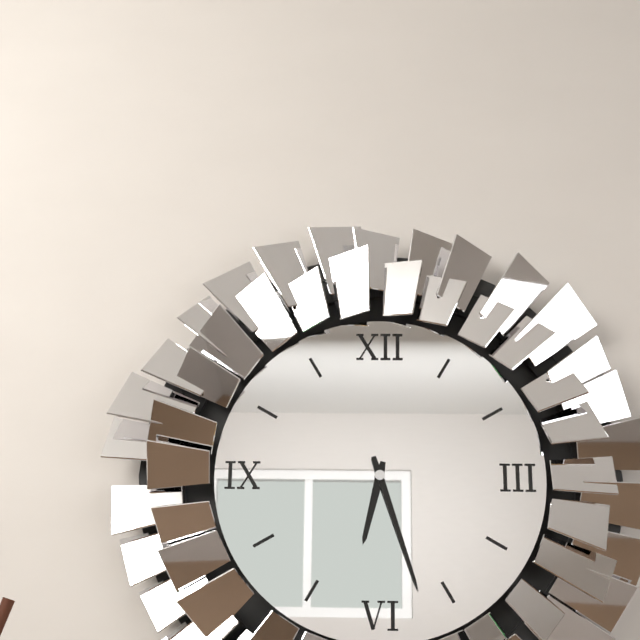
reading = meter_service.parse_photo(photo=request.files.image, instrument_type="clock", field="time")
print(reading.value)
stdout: 6:27
